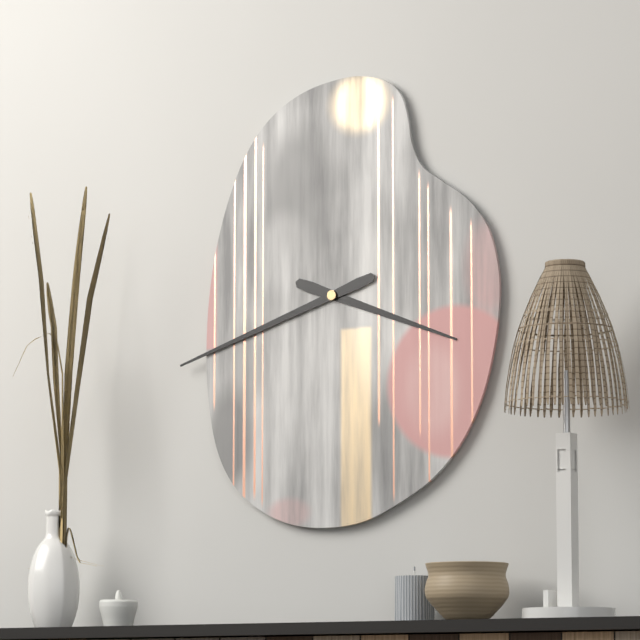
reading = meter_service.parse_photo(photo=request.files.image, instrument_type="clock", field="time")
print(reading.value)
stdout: 3:42
